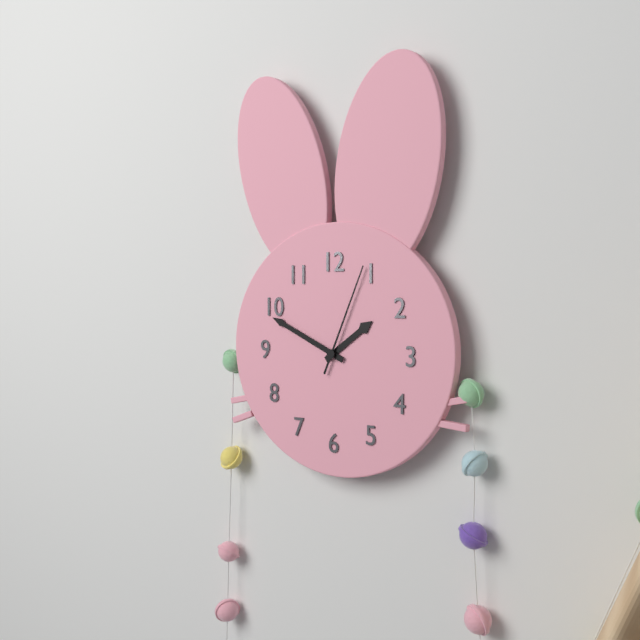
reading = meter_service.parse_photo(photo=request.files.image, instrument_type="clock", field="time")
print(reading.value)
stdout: 1:49:04
